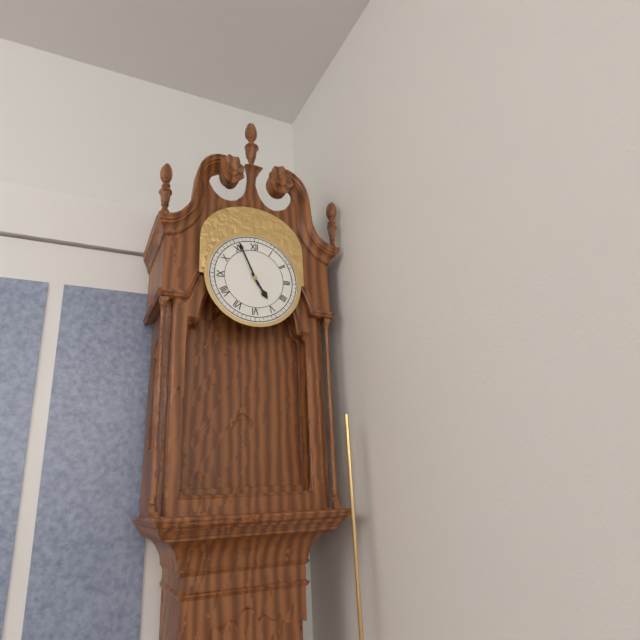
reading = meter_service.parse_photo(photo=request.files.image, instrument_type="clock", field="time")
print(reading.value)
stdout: 4:56
